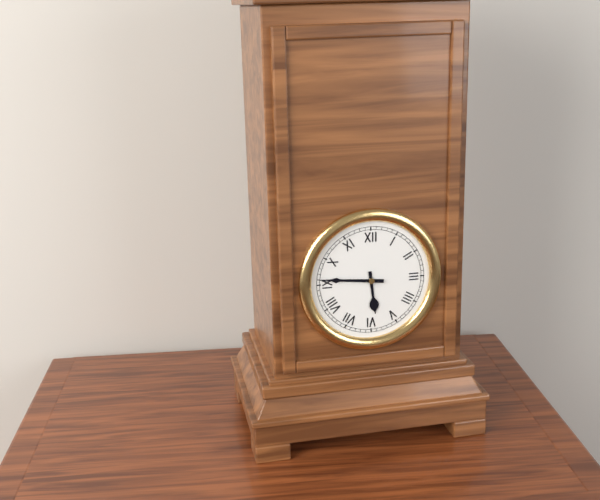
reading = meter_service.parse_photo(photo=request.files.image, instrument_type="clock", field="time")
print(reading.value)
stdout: 5:46
